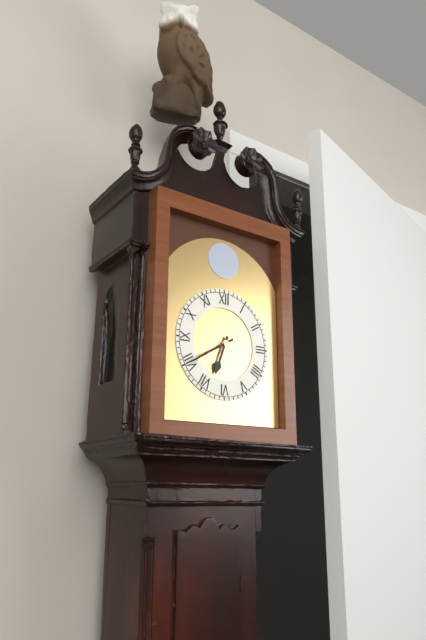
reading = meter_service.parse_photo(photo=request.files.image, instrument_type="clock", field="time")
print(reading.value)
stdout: 6:40
